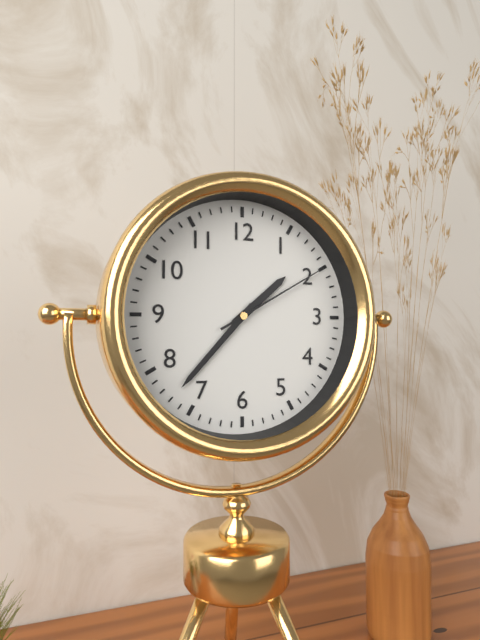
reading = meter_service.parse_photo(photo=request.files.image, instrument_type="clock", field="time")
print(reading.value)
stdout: 1:37:10
